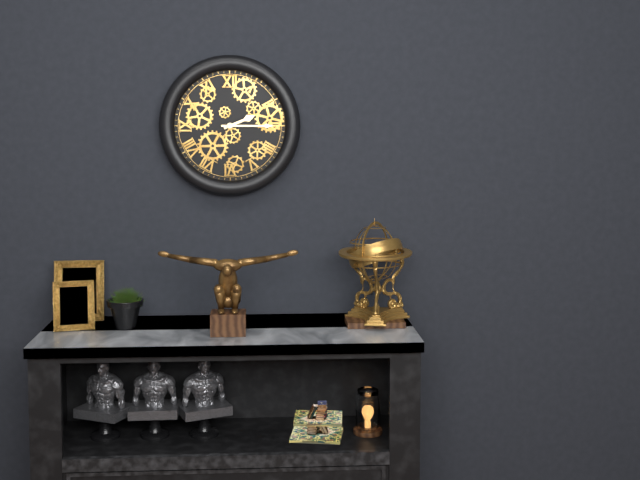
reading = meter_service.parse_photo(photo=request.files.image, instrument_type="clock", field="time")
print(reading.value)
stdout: 2:15
